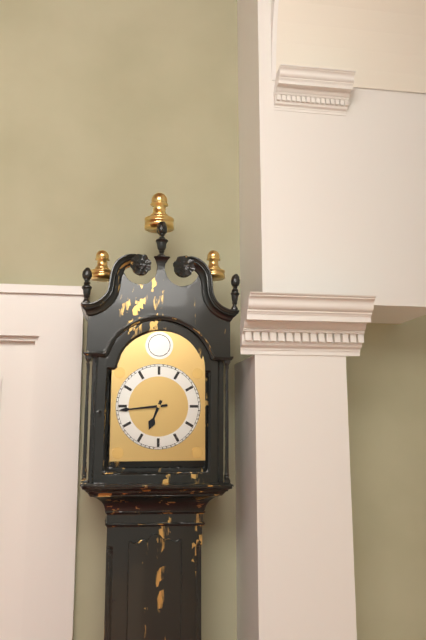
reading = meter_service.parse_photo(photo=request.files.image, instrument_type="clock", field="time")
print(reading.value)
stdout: 6:44
